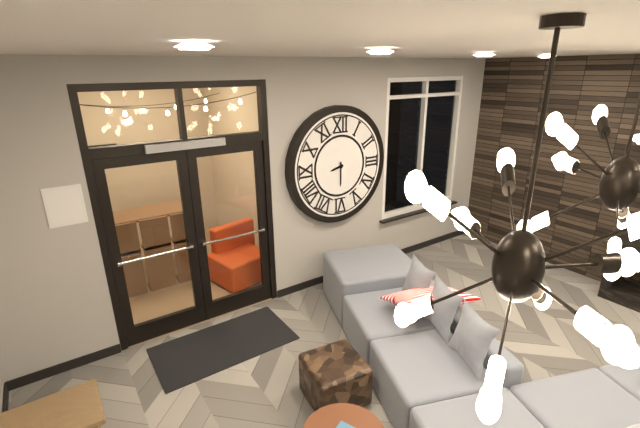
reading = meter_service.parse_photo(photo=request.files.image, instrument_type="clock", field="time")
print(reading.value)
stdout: 8:30
